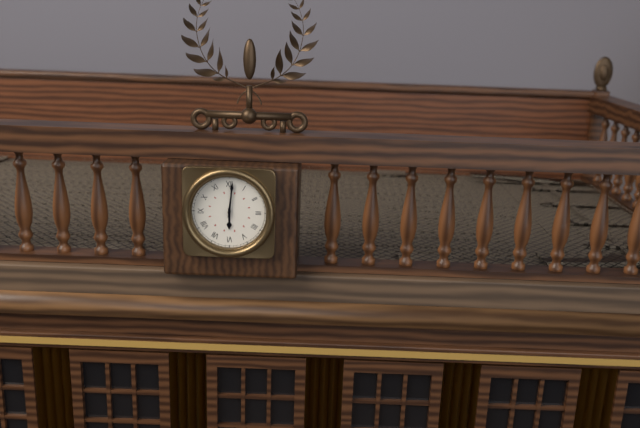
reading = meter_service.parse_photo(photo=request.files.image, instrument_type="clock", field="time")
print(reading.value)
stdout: 6:01
